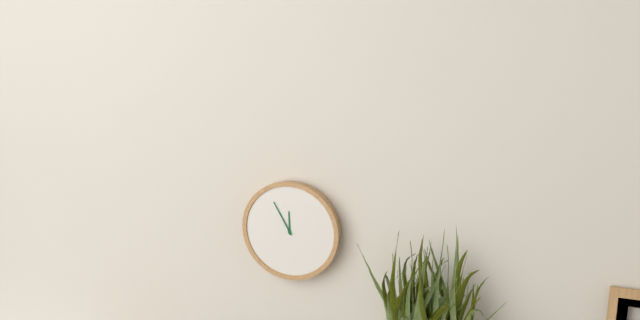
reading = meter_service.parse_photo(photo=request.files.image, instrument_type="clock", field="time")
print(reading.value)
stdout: 11:55
